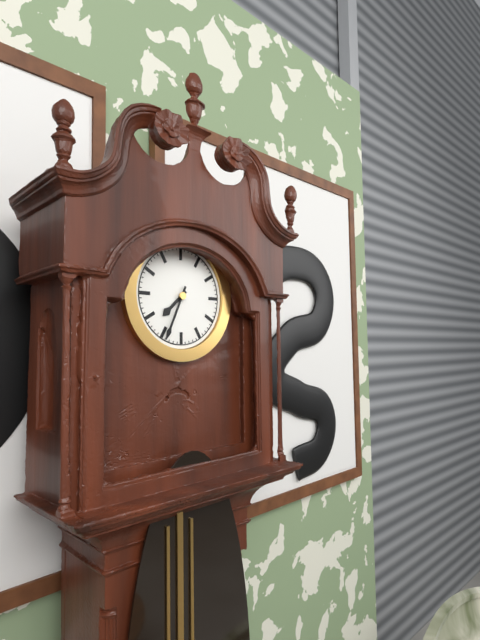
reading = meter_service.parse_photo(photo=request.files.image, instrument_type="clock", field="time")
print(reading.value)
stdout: 7:34
